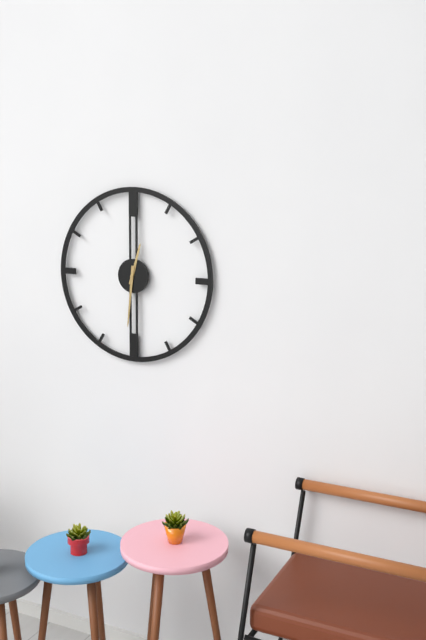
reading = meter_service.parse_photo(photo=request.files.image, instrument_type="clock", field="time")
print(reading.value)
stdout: 12:31
